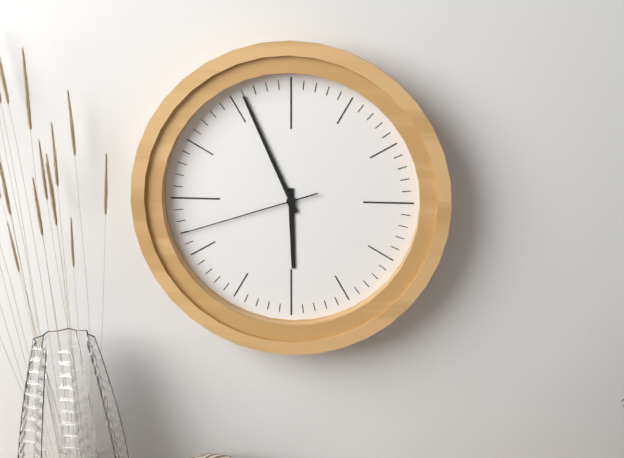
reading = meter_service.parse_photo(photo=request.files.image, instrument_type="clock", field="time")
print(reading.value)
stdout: 5:56:42
